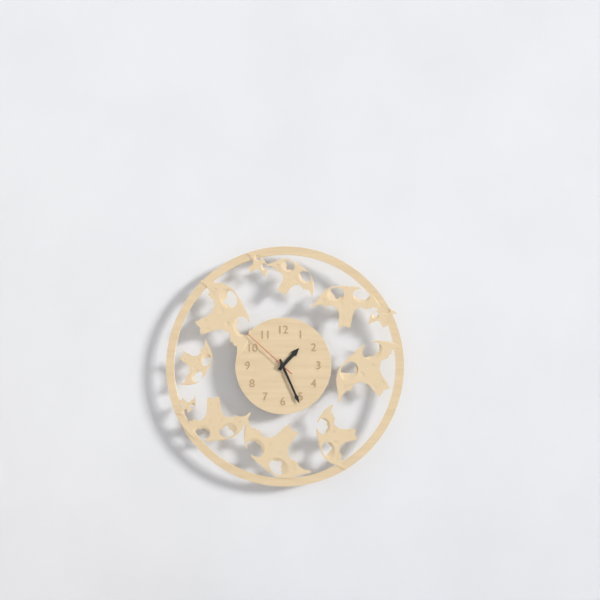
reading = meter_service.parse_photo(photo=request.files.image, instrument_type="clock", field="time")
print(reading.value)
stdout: 1:26:52
